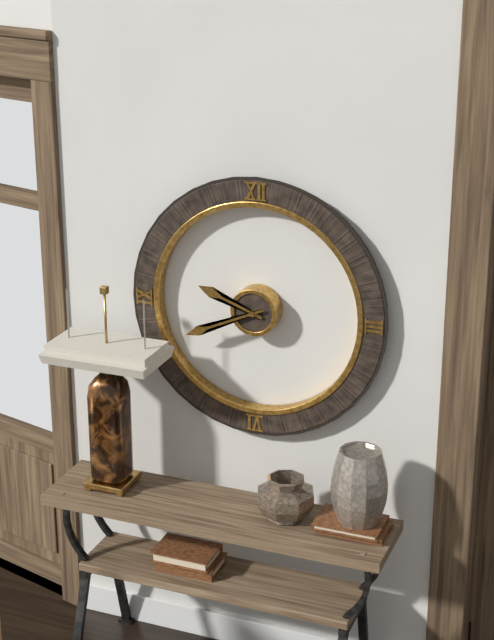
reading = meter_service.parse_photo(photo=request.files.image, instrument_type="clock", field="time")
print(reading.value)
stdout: 9:41
